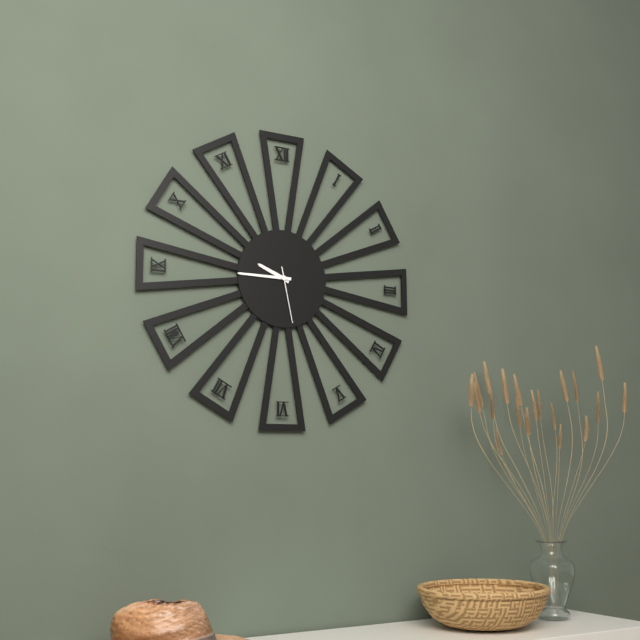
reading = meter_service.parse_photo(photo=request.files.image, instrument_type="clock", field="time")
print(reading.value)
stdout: 9:45:28
